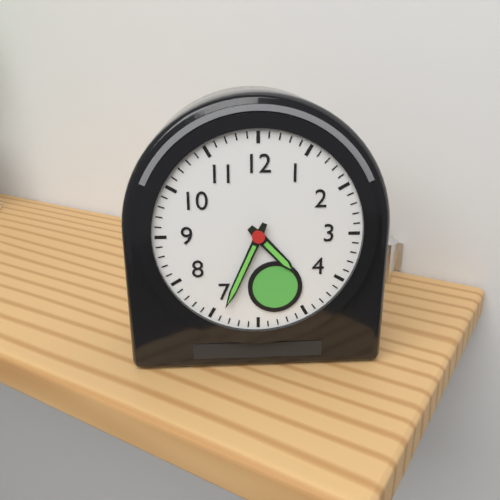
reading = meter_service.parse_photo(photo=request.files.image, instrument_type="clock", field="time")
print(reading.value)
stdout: 4:34
